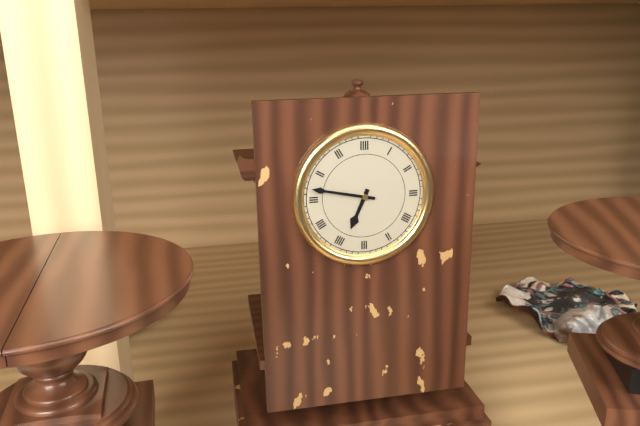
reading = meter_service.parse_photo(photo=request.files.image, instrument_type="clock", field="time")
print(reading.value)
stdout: 6:47
